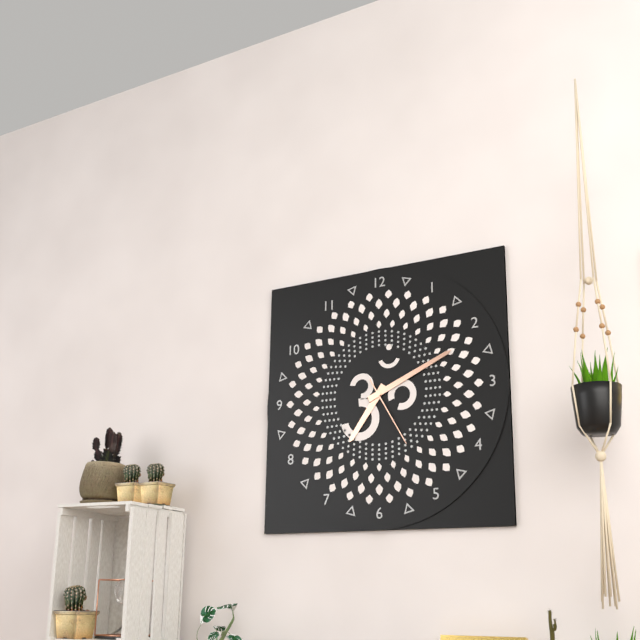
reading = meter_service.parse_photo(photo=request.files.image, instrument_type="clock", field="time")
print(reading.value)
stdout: 7:11:25
